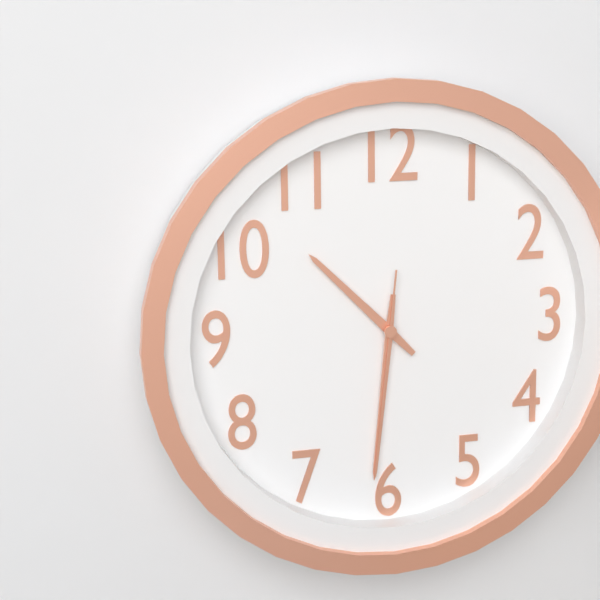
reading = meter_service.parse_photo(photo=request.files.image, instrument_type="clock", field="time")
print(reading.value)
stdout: 10:31:31
